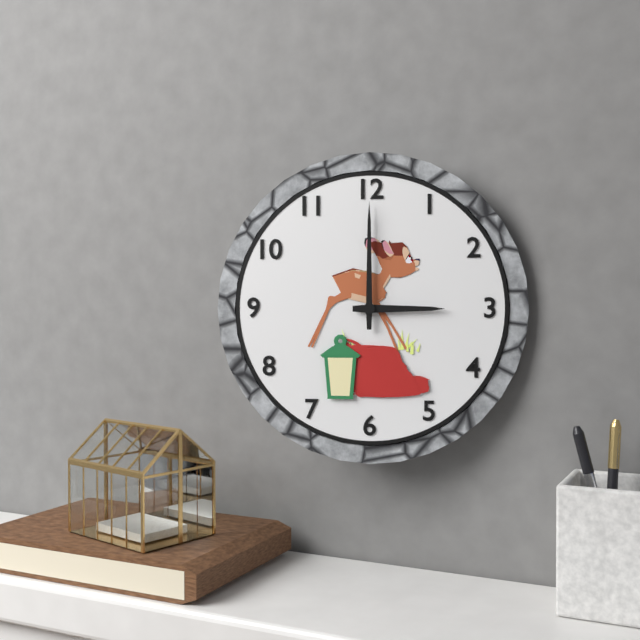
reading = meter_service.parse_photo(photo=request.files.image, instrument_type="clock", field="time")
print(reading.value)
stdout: 3:00
